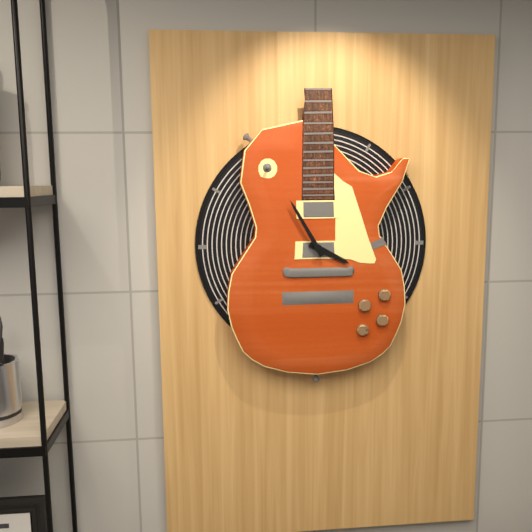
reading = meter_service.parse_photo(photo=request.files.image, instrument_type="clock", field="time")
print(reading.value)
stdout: 3:55
